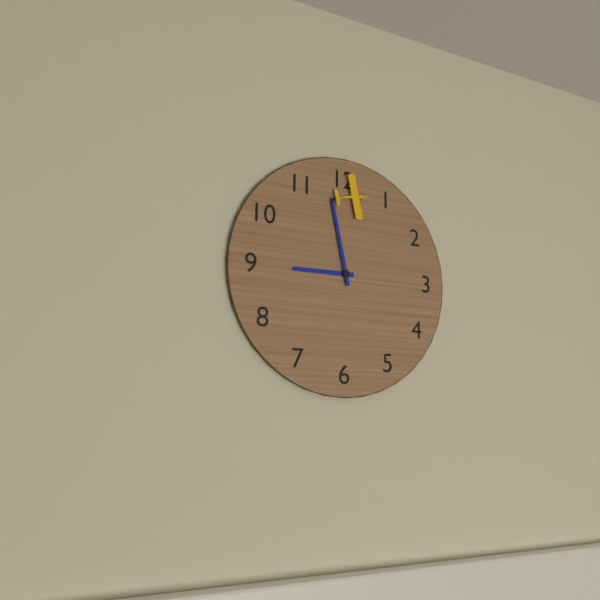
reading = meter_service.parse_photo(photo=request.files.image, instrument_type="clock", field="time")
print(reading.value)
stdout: 8:58
